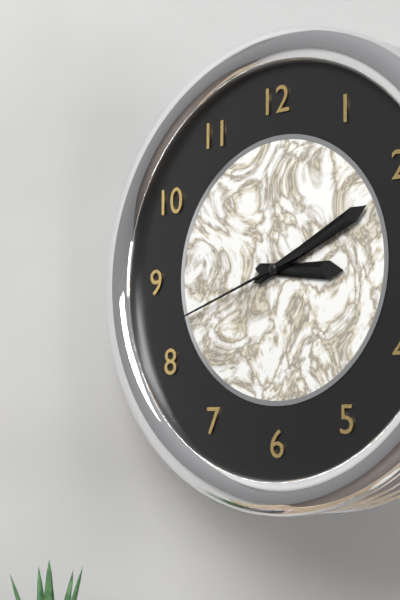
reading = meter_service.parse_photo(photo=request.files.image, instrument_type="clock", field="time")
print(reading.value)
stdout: 3:11:42
